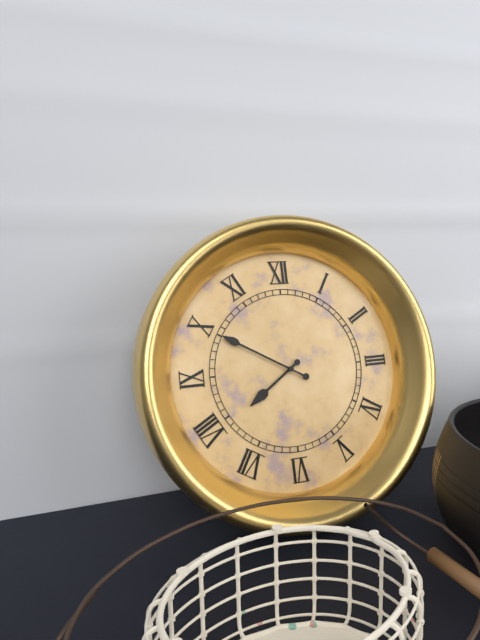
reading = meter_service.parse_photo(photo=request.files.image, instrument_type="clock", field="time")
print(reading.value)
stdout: 7:50
